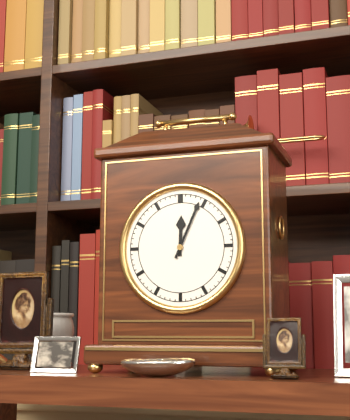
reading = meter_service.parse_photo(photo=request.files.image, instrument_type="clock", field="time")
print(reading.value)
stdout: 12:04
